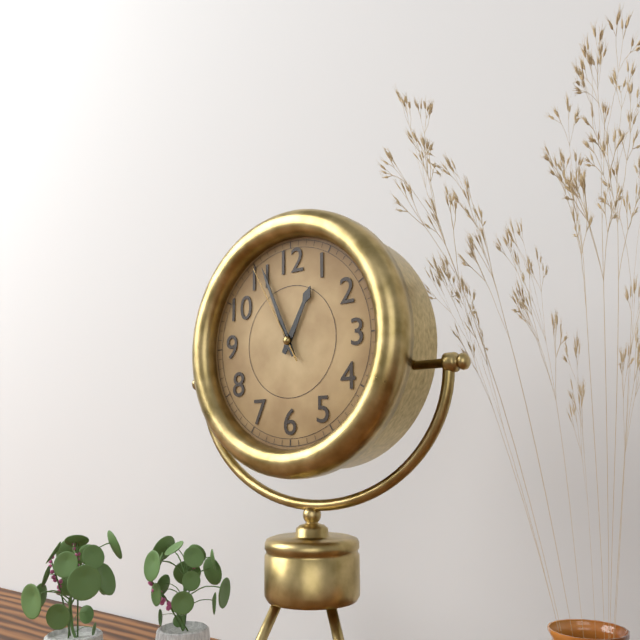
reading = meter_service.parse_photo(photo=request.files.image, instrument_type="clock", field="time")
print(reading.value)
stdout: 12:56:55
